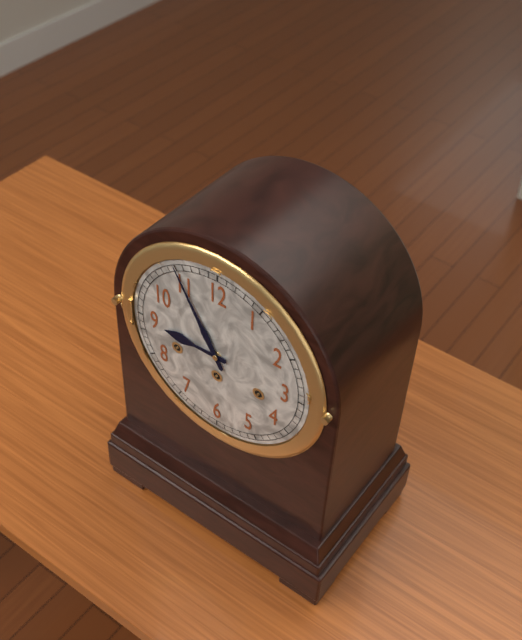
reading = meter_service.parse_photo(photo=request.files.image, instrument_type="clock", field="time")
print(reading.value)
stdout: 8:55
